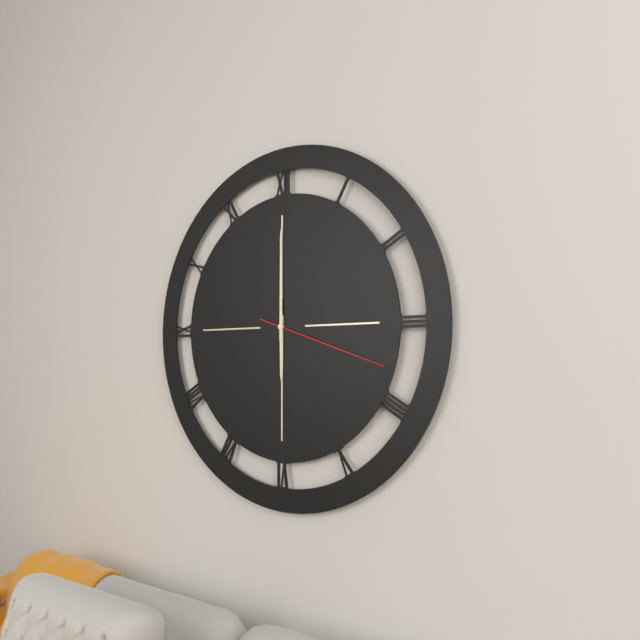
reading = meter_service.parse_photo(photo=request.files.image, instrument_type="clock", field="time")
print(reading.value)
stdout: 6:00:18
